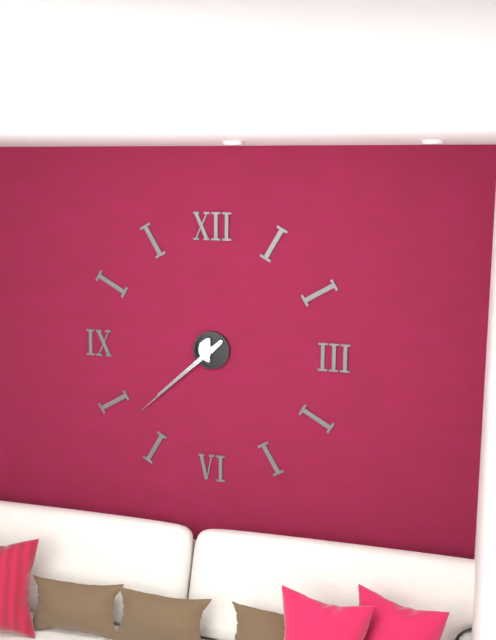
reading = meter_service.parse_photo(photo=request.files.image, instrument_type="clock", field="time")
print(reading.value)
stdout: 7:38
